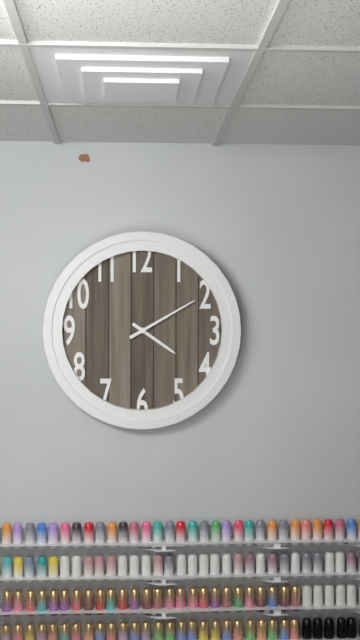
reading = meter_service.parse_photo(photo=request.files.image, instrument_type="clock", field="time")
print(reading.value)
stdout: 4:10
